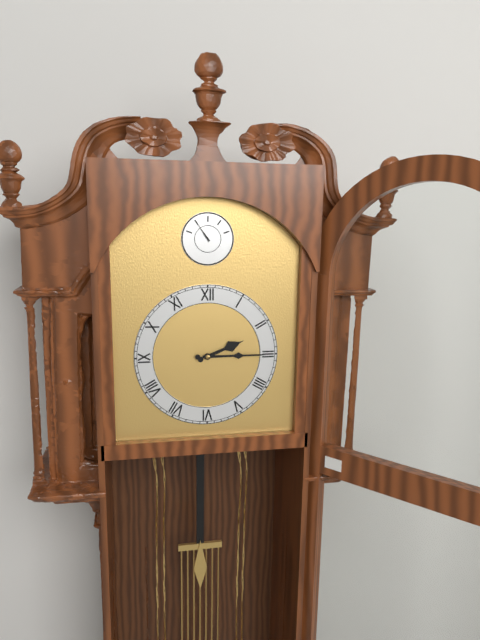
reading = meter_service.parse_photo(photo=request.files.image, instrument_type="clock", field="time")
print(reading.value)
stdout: 2:15
